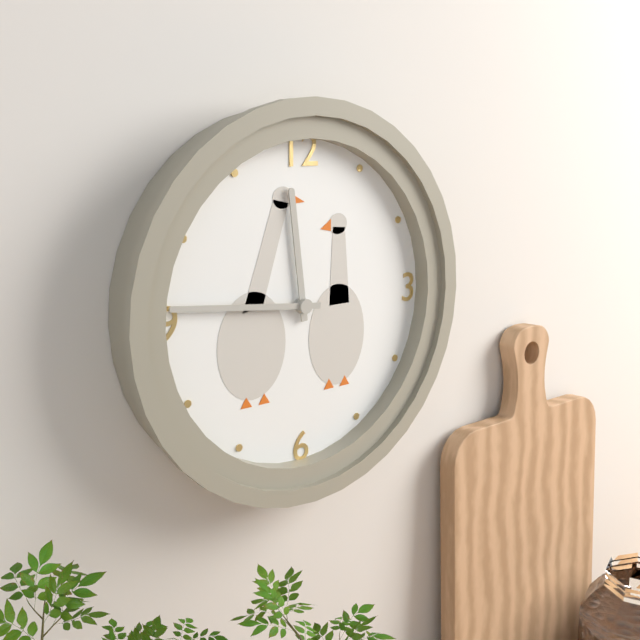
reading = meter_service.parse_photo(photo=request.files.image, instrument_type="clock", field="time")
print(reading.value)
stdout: 11:46
